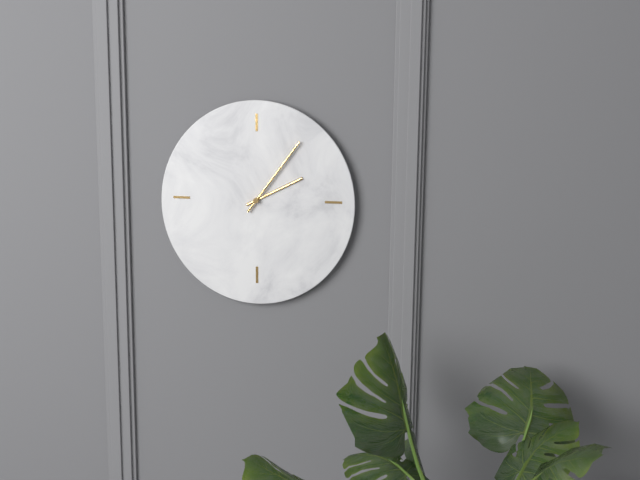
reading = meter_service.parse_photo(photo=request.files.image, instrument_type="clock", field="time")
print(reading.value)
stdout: 2:06
